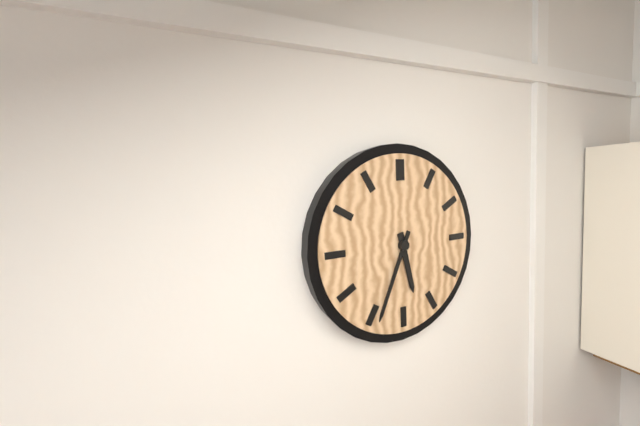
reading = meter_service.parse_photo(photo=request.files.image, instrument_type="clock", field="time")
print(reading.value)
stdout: 5:34
